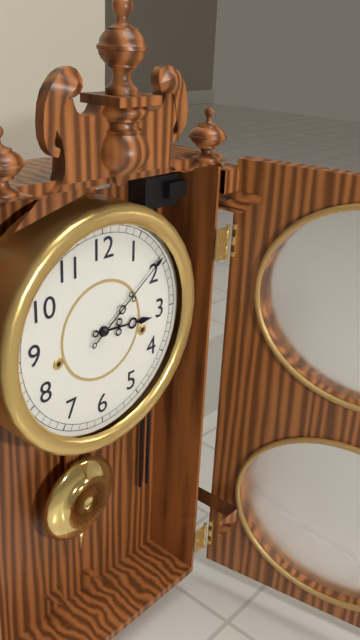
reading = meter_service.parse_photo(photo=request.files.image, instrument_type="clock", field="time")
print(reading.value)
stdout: 3:09
